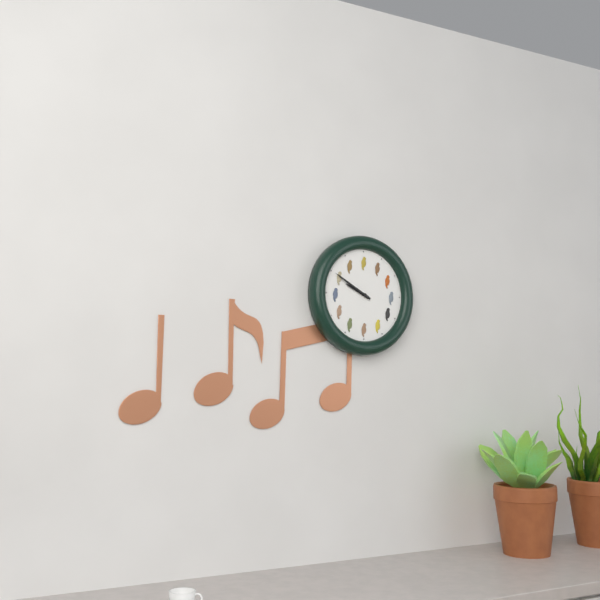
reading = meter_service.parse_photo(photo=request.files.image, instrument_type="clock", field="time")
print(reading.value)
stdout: 9:50
